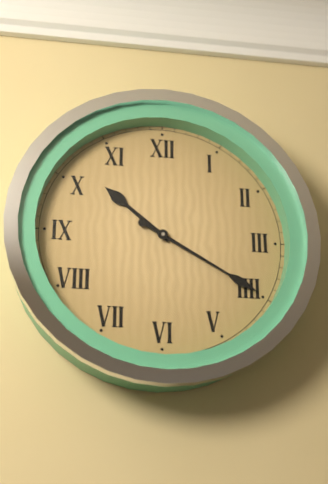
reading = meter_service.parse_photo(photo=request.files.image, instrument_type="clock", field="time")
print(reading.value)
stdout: 10:20
